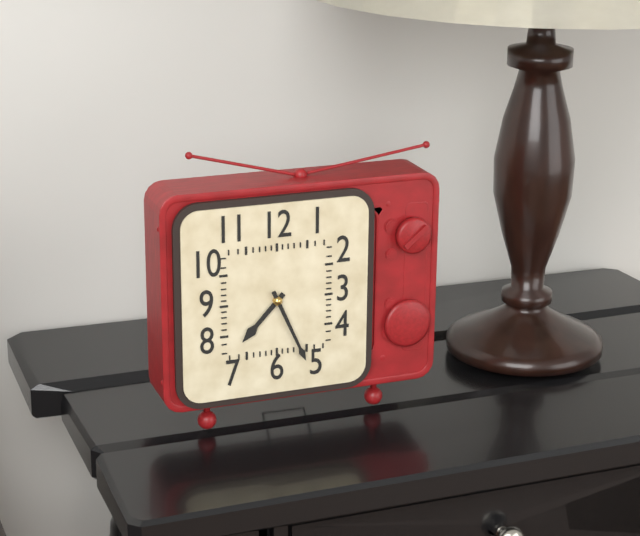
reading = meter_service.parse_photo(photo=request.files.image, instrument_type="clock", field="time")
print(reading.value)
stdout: 7:26
